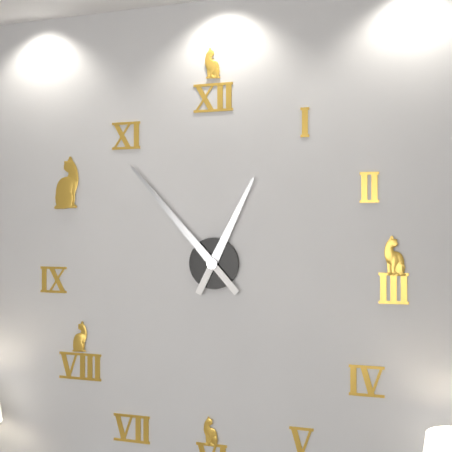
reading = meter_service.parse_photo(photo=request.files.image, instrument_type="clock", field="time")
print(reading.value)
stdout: 12:53
